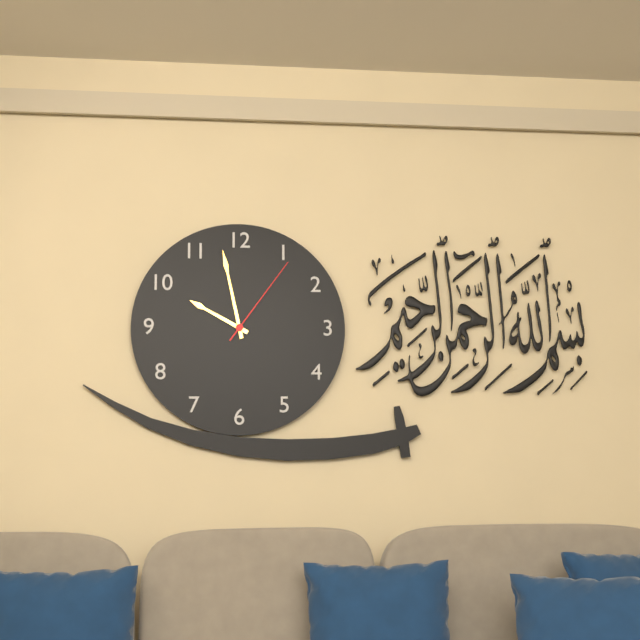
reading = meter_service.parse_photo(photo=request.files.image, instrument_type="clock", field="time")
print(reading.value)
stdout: 9:58:06
